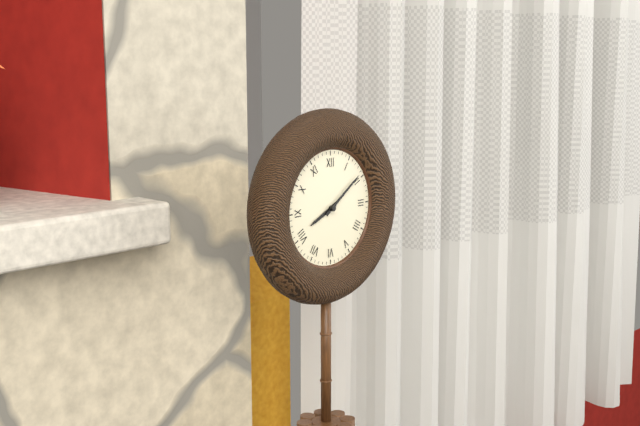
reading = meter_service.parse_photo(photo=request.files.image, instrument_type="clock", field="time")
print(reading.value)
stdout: 8:09
